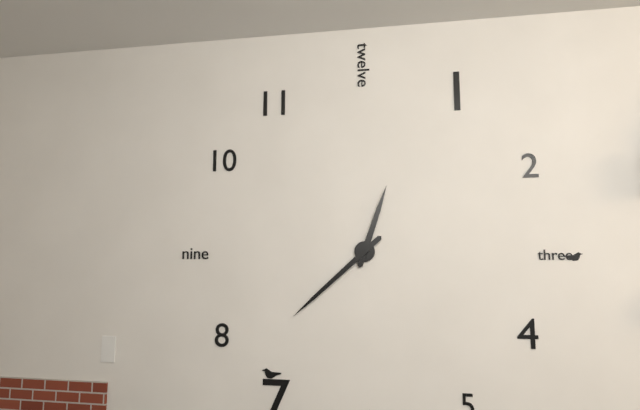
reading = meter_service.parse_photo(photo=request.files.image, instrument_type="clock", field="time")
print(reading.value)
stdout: 12:38
